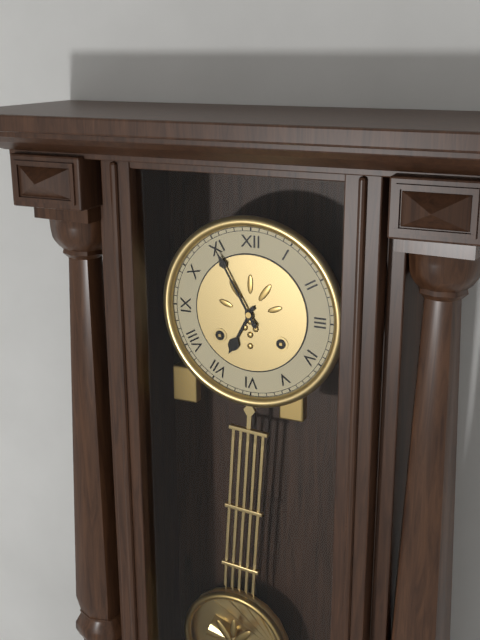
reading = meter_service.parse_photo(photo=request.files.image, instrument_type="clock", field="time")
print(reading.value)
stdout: 6:55
